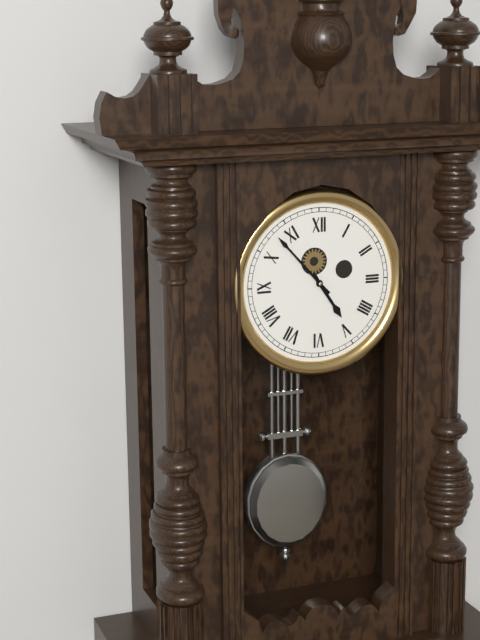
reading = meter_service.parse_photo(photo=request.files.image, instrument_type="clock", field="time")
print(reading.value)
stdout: 4:53
